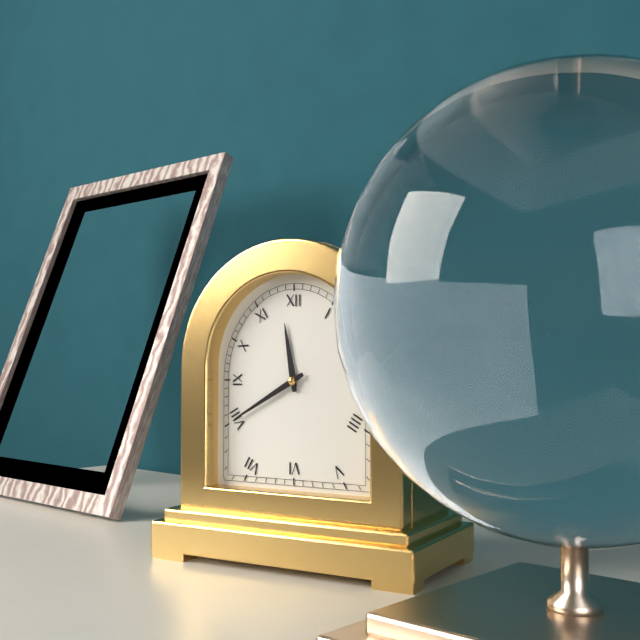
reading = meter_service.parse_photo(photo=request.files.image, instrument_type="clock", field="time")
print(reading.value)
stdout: 11:40
